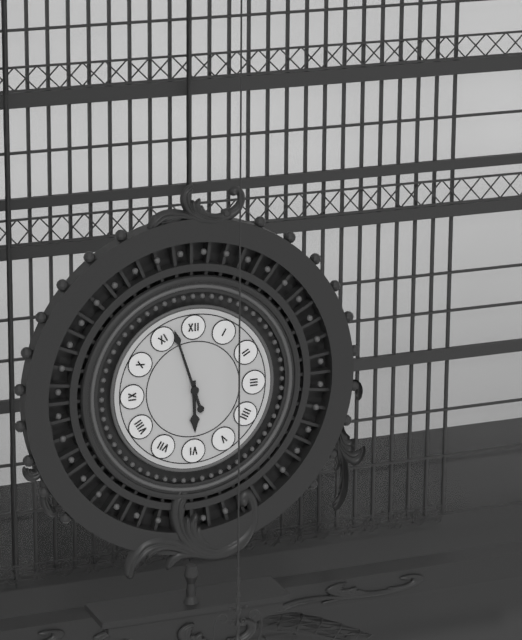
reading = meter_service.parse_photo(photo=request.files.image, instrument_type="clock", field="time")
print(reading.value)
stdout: 5:57
